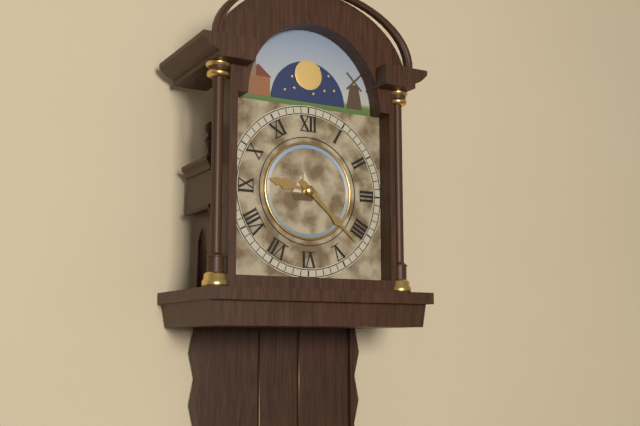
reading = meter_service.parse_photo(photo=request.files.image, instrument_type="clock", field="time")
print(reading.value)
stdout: 9:22
